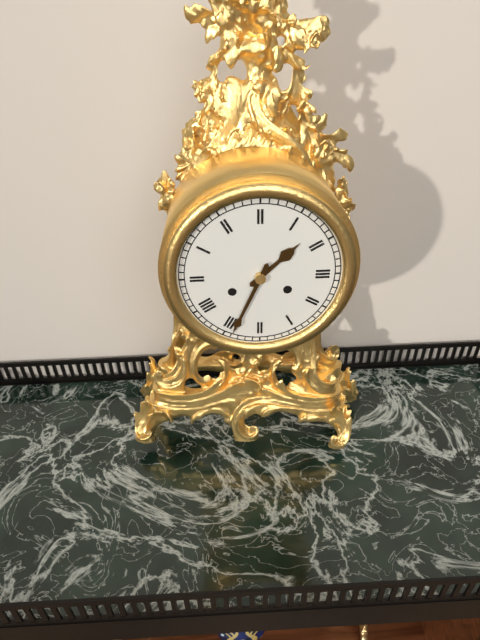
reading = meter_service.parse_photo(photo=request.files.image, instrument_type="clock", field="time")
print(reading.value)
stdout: 1:34
